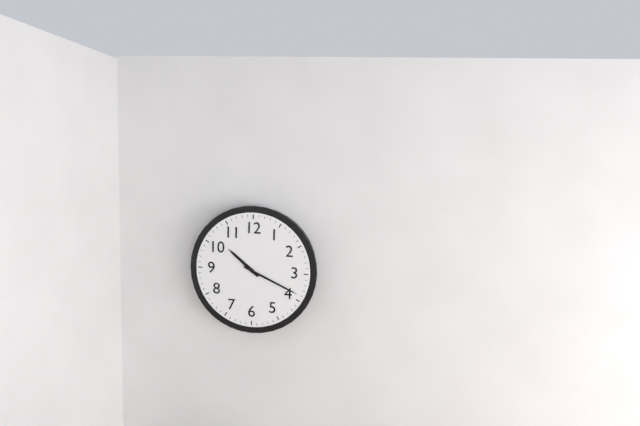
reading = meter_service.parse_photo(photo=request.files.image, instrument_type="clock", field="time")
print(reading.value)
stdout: 10:19
